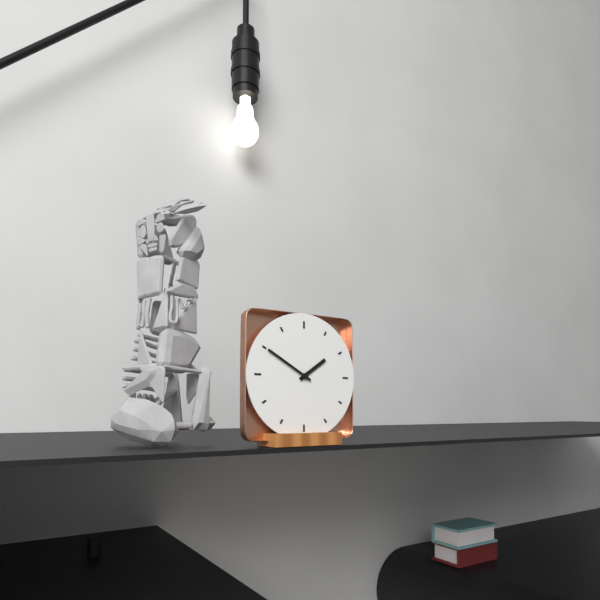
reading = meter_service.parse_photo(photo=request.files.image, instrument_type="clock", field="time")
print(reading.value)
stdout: 1:50
